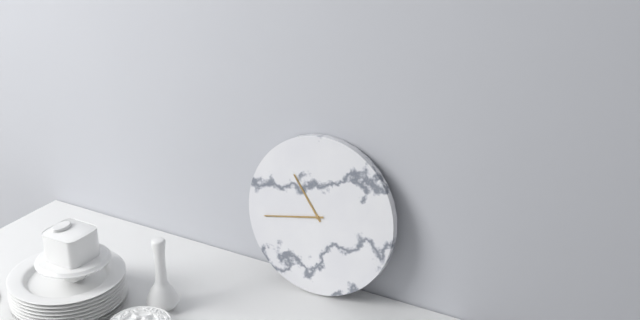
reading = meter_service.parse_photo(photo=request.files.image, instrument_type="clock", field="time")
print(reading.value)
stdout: 10:43
